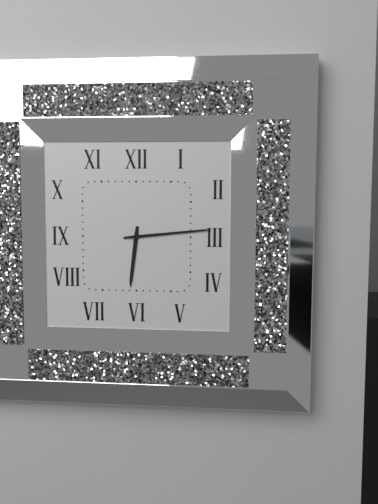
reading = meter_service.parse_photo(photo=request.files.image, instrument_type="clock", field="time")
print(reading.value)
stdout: 6:14
